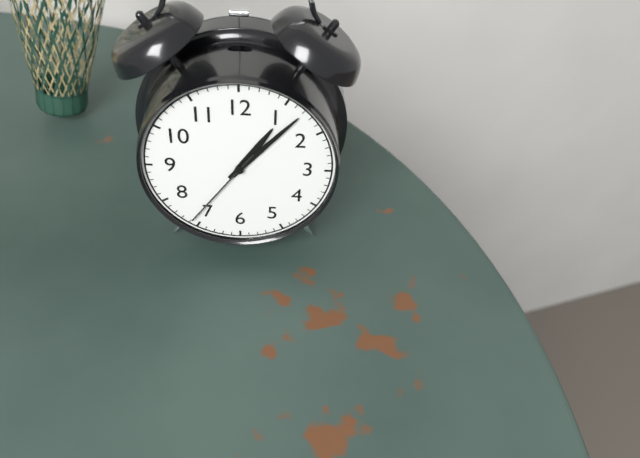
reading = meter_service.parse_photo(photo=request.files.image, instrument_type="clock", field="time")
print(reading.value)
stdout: 1:07:36
